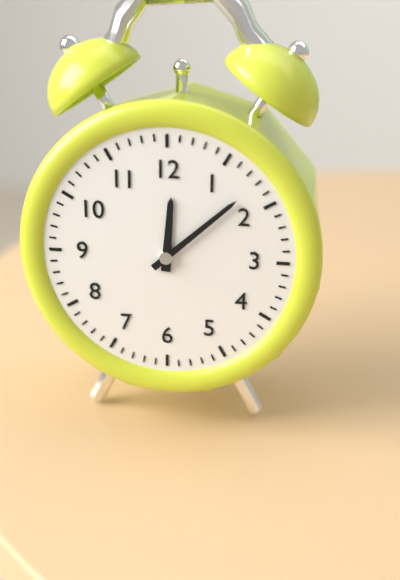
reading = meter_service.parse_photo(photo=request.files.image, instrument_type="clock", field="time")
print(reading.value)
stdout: 12:08
